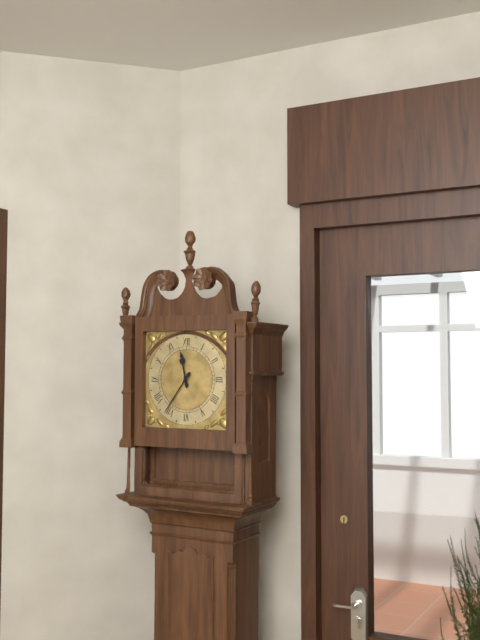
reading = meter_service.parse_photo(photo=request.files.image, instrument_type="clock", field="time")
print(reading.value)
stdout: 11:36
